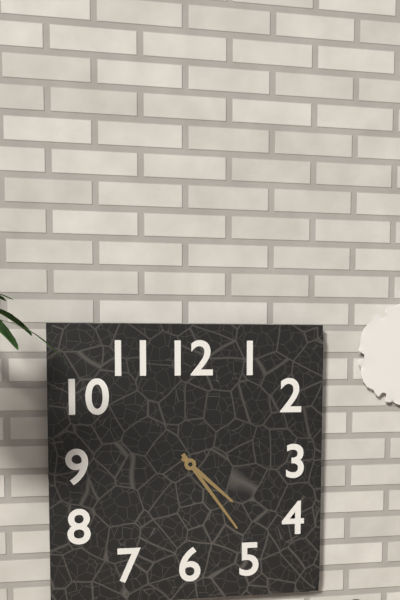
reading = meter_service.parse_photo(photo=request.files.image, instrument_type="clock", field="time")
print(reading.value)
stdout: 4:24
